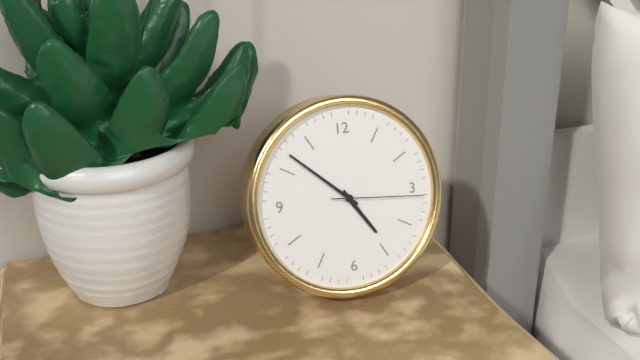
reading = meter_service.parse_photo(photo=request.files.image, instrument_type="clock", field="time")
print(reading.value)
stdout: 4:52:16
